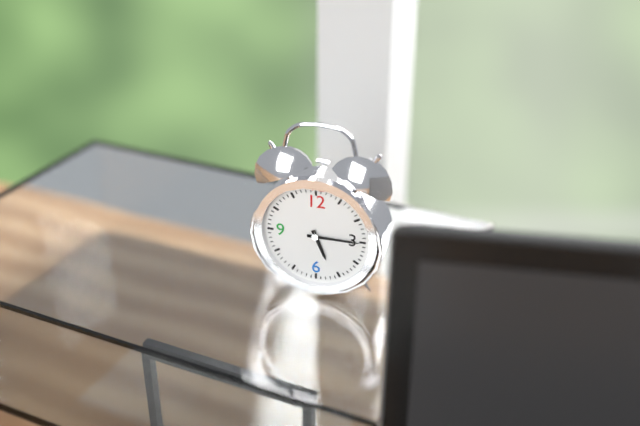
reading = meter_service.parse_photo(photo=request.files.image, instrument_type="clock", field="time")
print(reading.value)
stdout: 5:15
